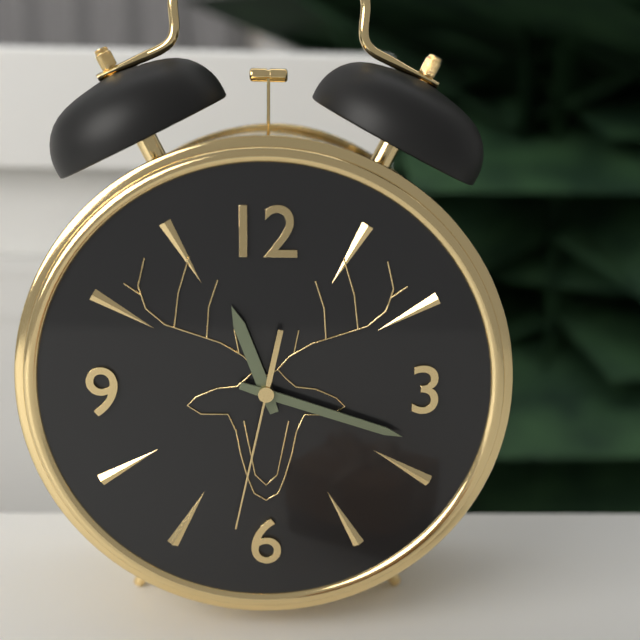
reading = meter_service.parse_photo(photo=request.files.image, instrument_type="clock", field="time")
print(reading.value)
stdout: 11:18:32
